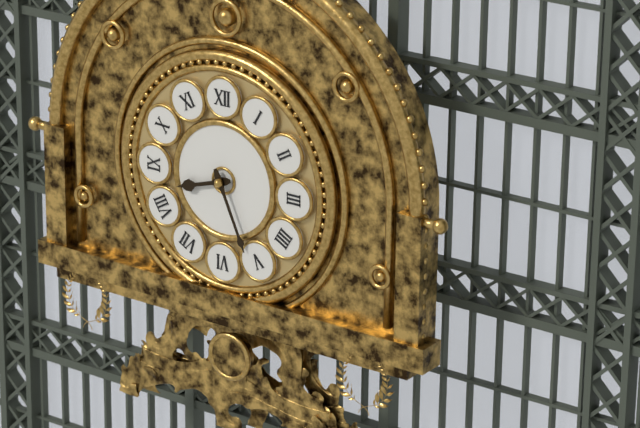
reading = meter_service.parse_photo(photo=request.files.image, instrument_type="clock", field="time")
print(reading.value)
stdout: 8:26
